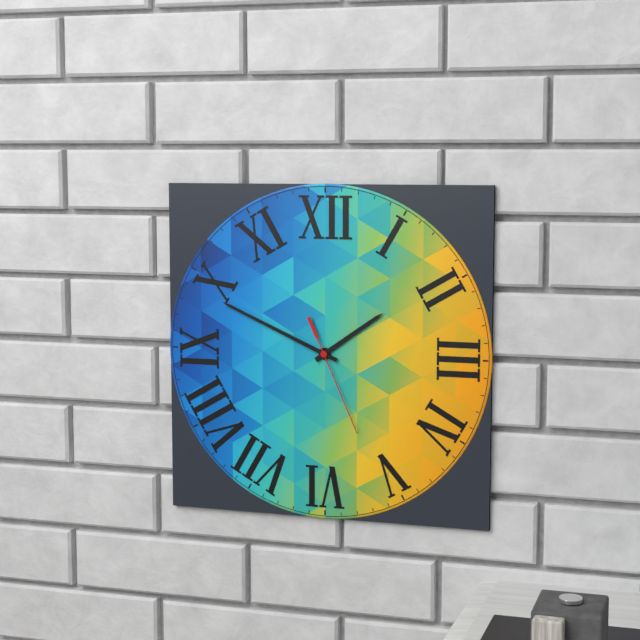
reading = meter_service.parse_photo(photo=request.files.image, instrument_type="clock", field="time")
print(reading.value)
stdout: 1:49:26
